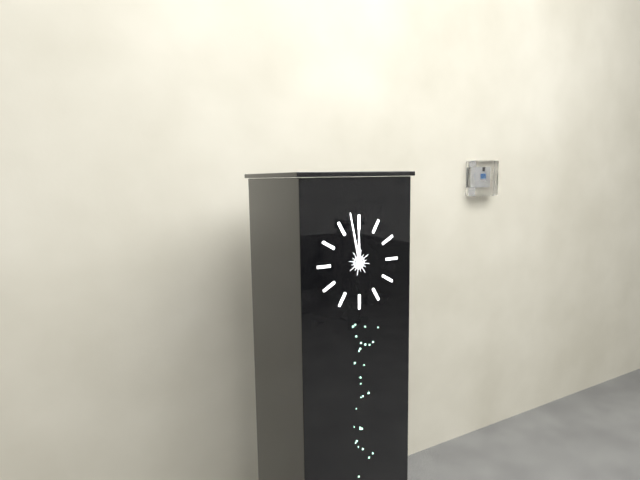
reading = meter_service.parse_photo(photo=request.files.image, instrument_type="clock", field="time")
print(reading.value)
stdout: 11:58
